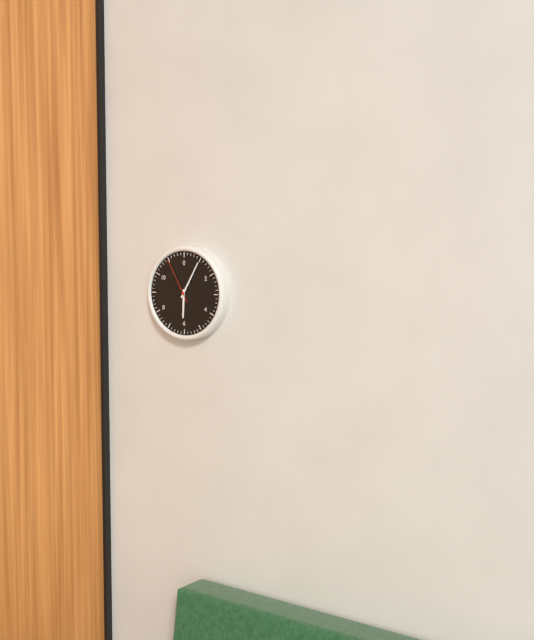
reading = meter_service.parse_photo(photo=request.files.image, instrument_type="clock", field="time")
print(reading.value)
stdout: 6:05
